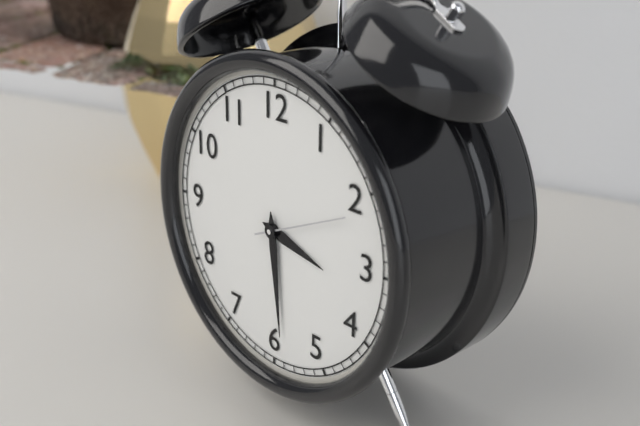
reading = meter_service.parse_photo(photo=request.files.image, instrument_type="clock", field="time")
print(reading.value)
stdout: 3:29:11
